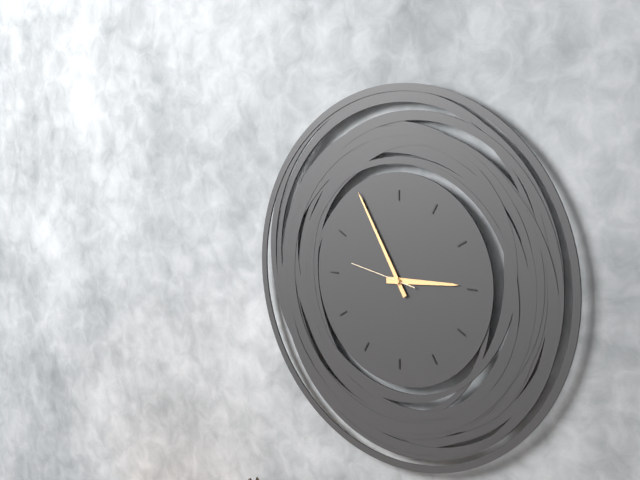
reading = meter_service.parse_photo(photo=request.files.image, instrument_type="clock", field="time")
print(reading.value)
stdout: 2:55:47
